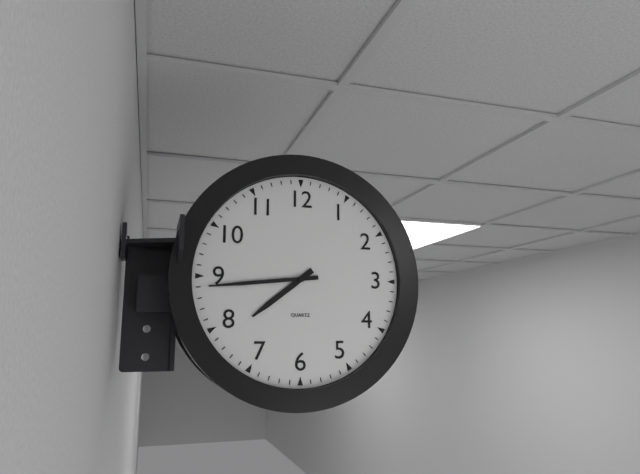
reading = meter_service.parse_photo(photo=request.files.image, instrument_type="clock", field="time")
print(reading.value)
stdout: 7:44
